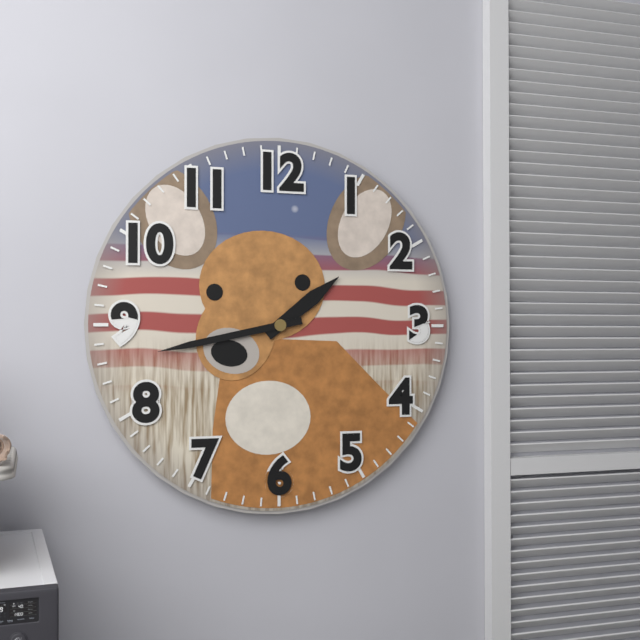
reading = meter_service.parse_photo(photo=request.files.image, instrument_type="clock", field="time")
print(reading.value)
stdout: 1:43
